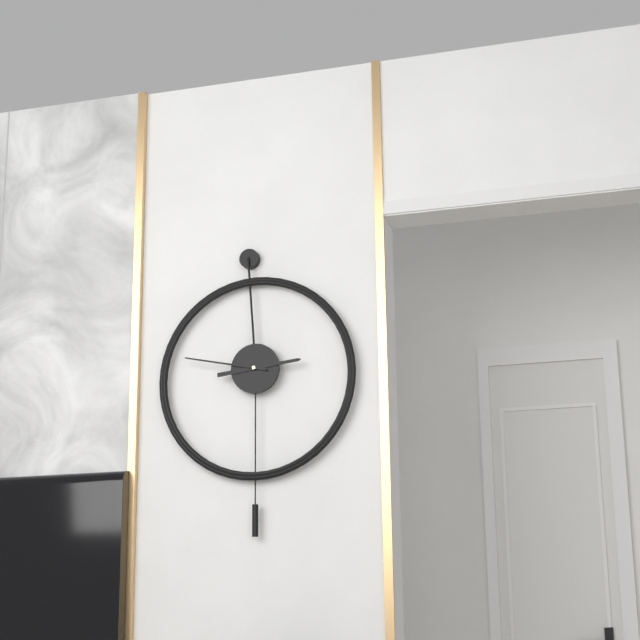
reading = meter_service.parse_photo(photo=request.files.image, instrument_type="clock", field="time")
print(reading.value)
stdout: 2:47
